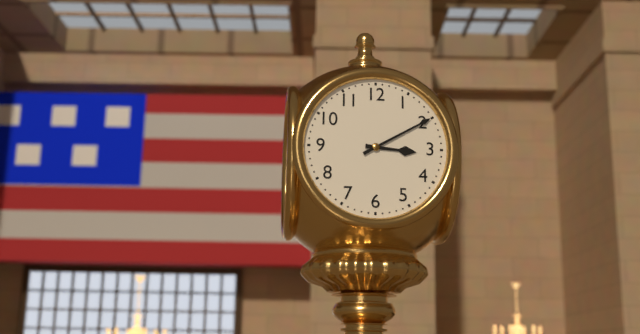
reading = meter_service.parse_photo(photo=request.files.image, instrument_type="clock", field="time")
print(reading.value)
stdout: 3:10
